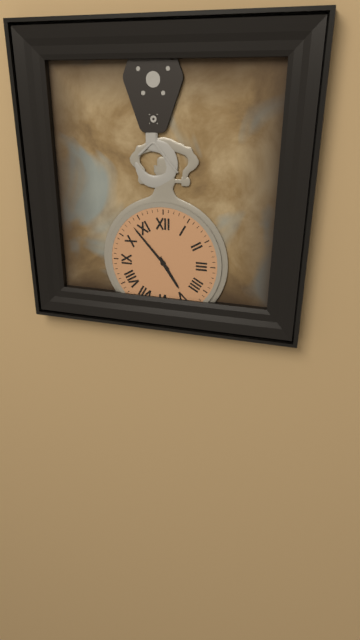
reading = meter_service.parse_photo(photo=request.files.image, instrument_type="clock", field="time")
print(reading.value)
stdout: 4:53
